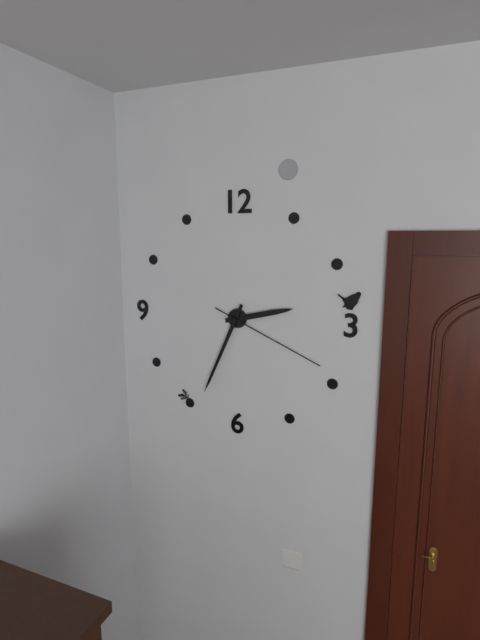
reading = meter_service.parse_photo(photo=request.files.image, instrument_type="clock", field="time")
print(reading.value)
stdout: 2:34:19
